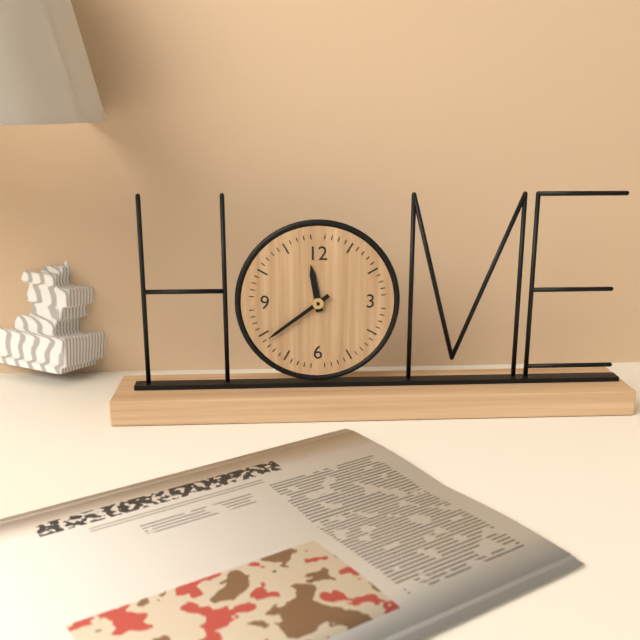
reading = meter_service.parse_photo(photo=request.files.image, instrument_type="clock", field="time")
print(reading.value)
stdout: 11:39
